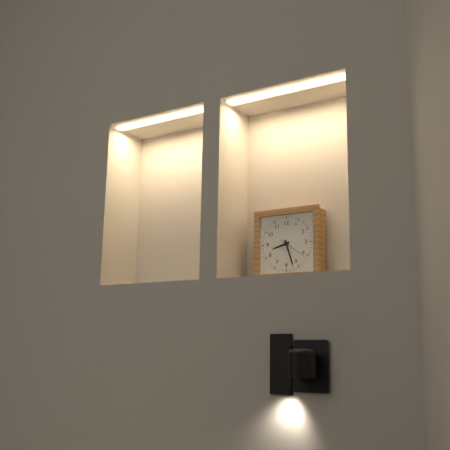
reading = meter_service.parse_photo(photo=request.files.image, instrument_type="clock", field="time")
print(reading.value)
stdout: 8:27
